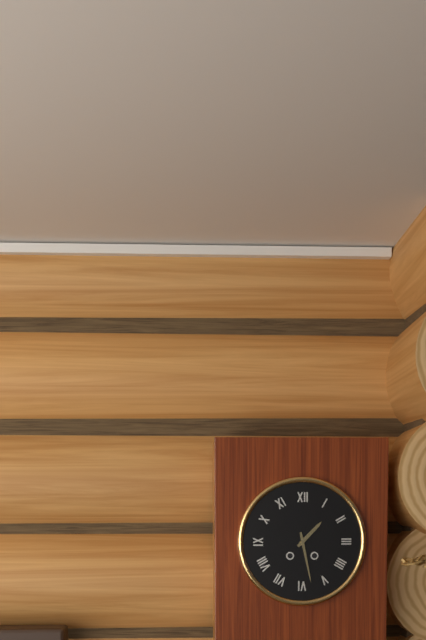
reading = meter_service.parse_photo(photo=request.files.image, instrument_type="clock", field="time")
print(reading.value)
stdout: 1:28
